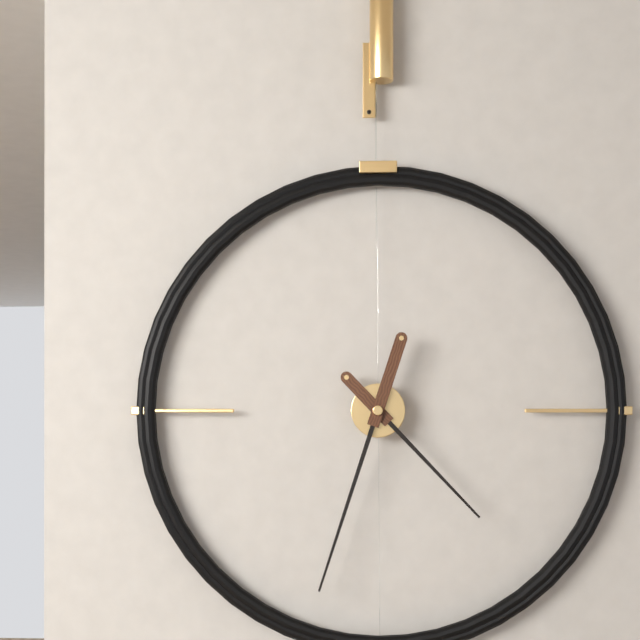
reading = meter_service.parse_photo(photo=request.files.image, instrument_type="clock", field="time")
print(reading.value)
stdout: 4:33
